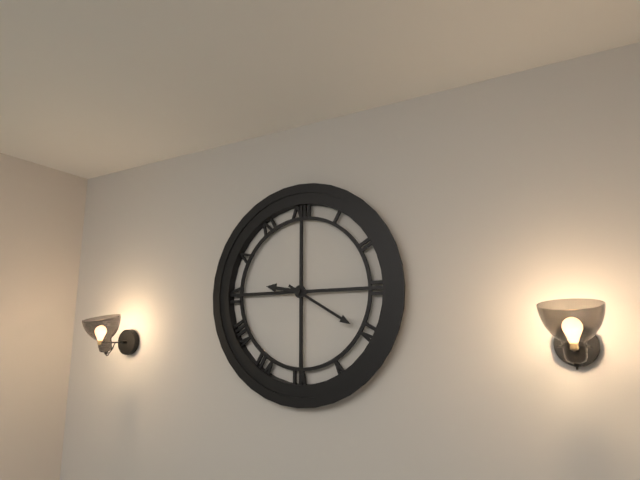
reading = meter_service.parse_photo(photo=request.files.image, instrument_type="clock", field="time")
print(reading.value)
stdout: 9:20
